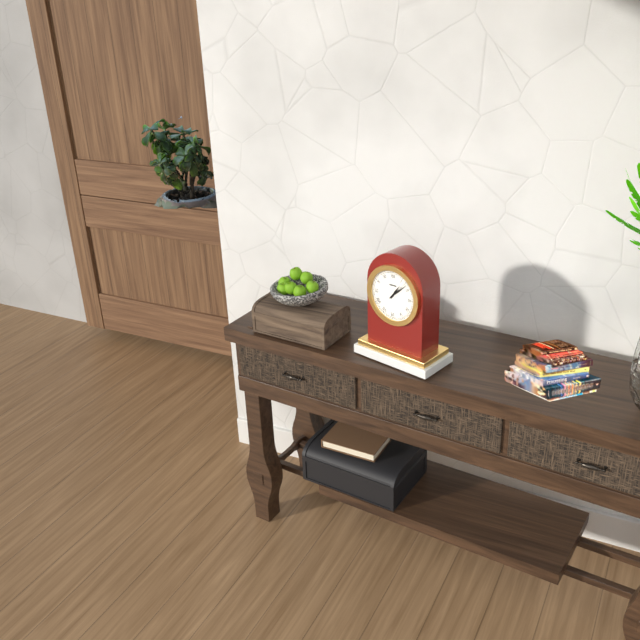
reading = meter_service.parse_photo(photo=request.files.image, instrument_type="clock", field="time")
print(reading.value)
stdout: 1:08
